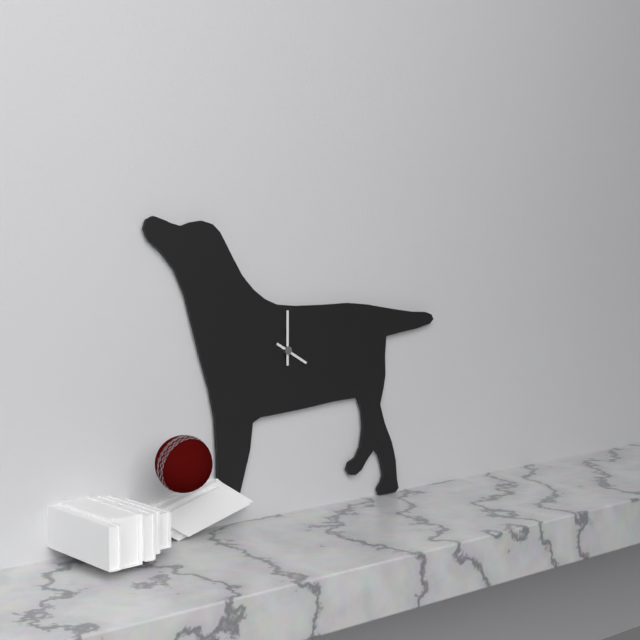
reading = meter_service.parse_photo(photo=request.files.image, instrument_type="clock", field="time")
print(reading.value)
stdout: 4:00
